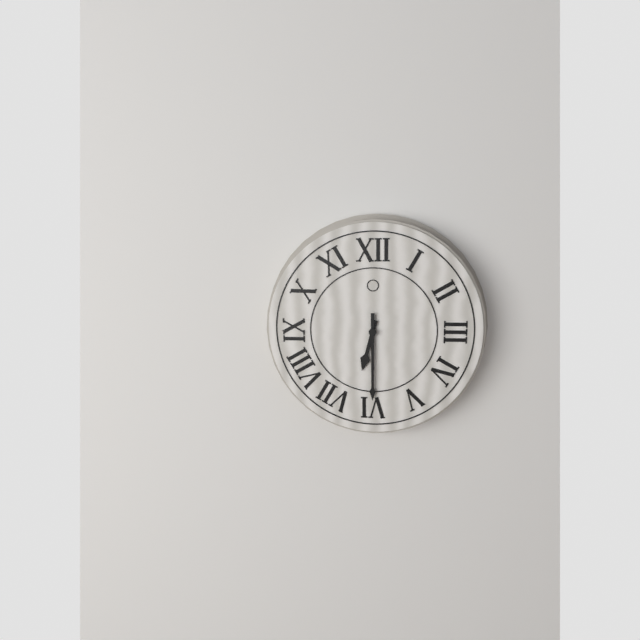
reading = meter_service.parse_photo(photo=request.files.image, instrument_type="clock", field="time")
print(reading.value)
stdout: 6:30
